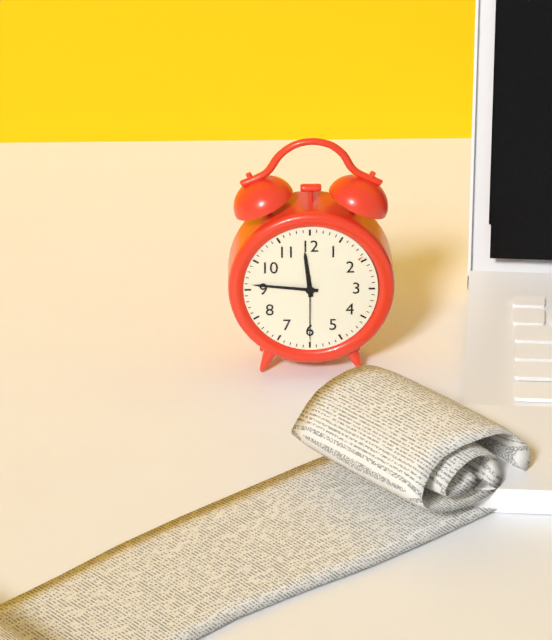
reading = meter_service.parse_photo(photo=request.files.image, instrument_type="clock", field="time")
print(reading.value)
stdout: 11:46:30
